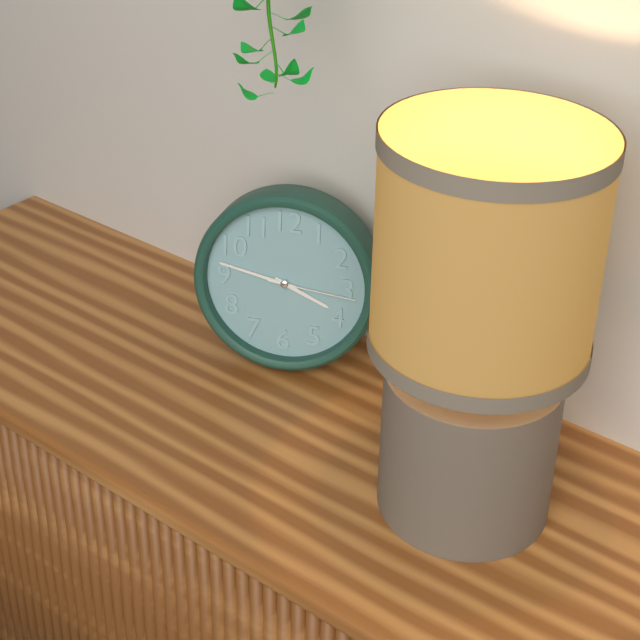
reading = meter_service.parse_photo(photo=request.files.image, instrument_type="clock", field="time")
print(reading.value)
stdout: 3:47:16
